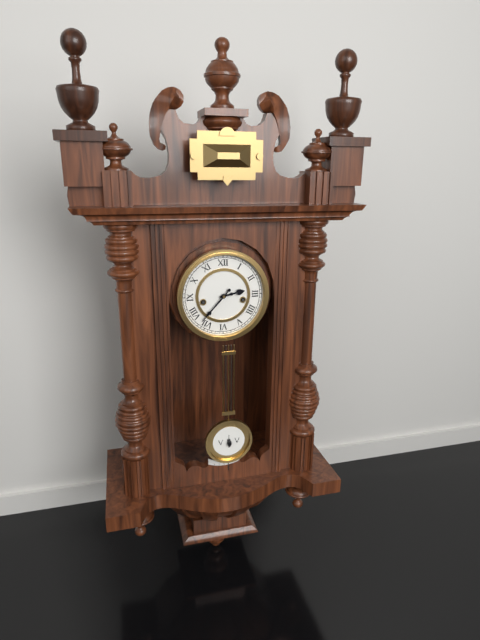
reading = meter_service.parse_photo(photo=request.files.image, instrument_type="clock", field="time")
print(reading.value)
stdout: 2:37
